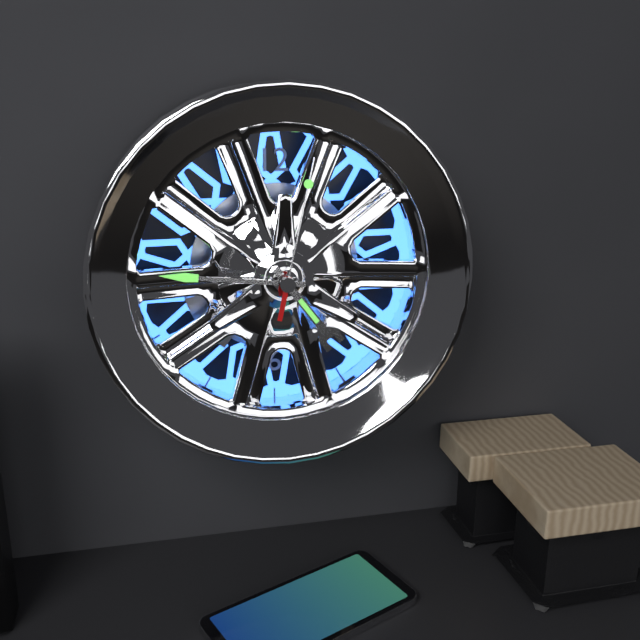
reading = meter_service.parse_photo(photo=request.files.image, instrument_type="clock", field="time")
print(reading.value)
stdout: 4:46:02
